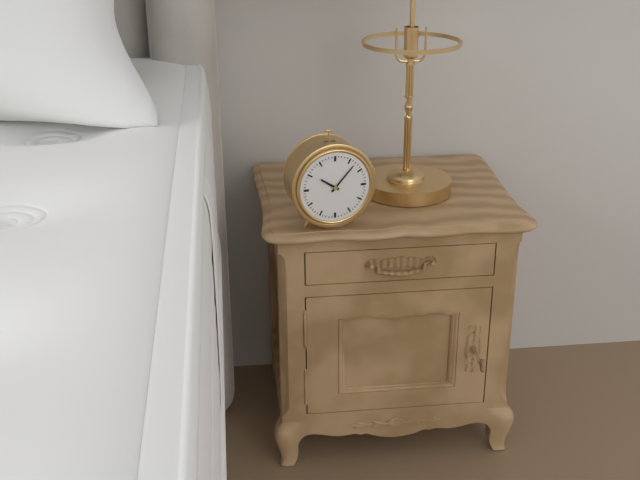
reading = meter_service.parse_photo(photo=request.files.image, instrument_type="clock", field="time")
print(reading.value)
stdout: 10:07
